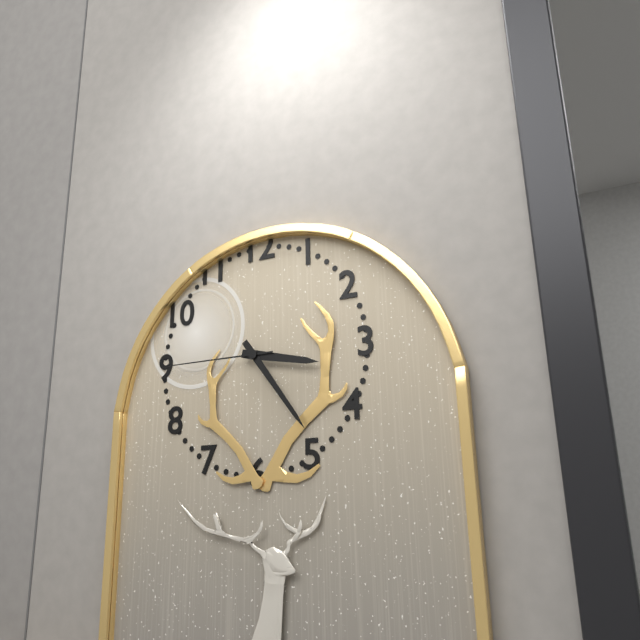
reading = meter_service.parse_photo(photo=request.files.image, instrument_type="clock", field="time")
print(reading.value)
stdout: 3:24:45
